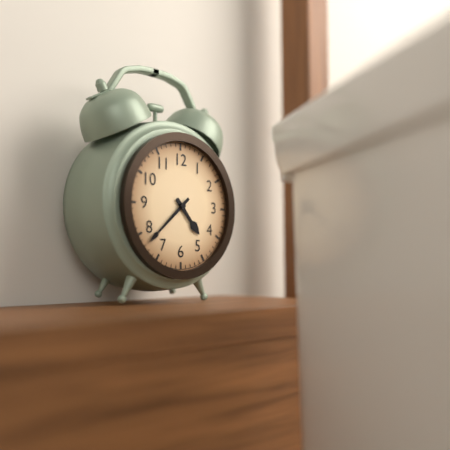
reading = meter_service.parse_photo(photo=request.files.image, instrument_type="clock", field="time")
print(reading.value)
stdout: 4:38
